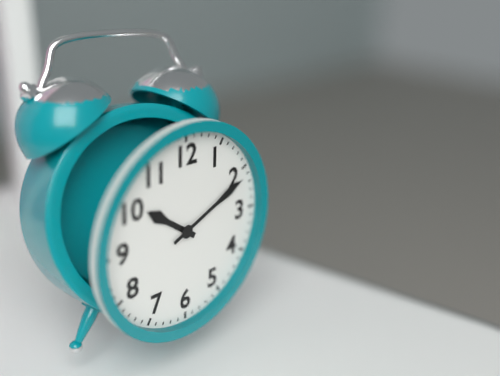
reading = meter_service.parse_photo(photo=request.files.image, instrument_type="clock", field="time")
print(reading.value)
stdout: 10:11
